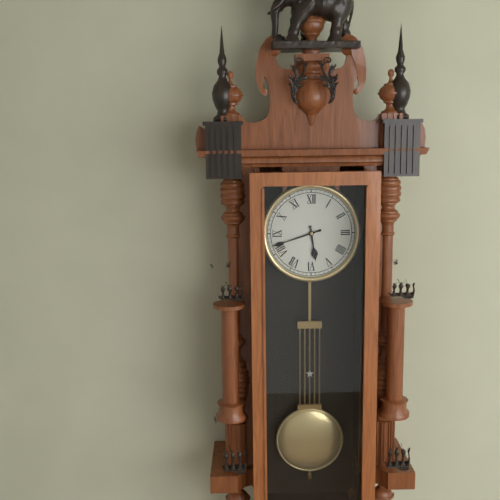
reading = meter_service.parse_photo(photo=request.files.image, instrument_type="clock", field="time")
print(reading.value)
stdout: 5:42
